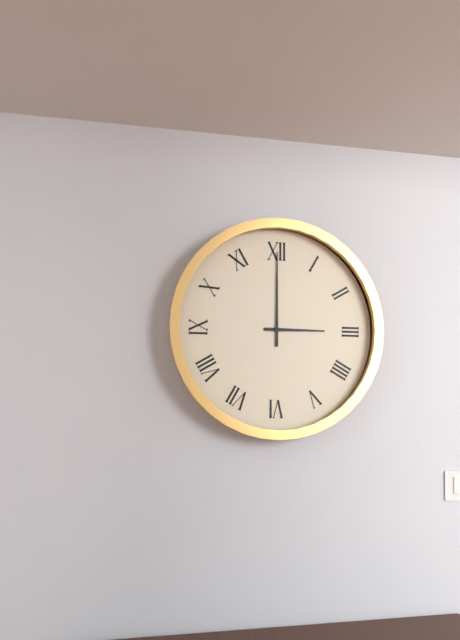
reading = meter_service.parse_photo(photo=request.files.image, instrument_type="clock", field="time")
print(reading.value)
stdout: 3:00
